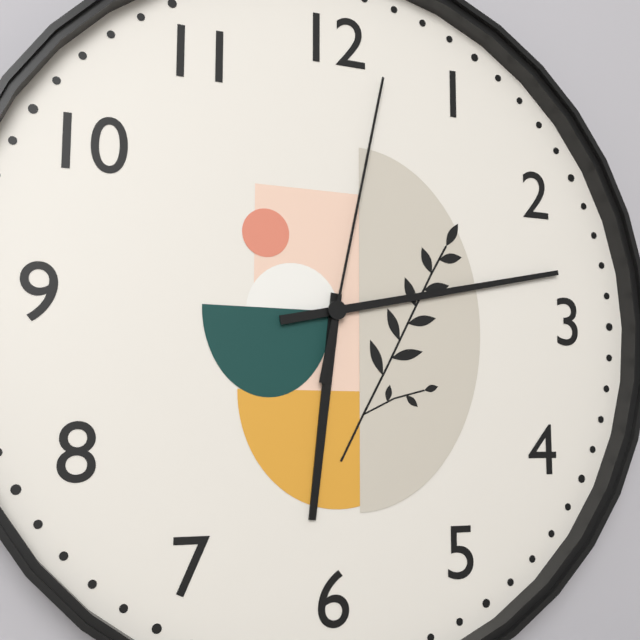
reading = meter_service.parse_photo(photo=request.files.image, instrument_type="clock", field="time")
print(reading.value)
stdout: 6:13:02
